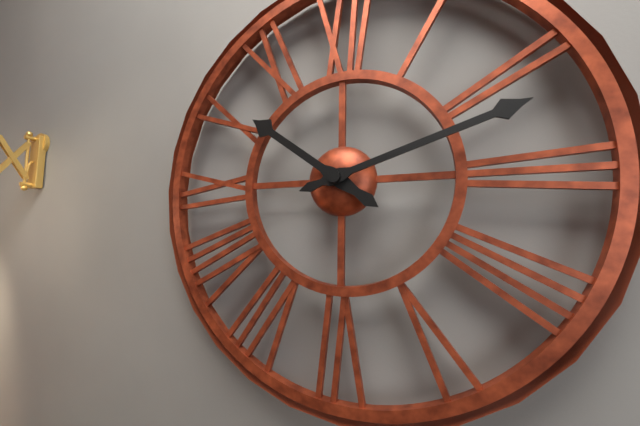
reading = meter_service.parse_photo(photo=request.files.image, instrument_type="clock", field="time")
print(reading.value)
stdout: 10:12
